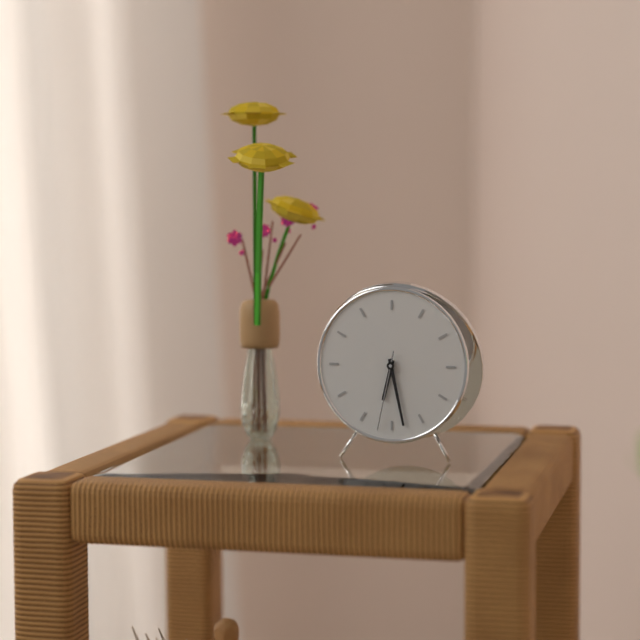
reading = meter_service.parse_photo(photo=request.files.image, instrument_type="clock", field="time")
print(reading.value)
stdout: 6:28:32
